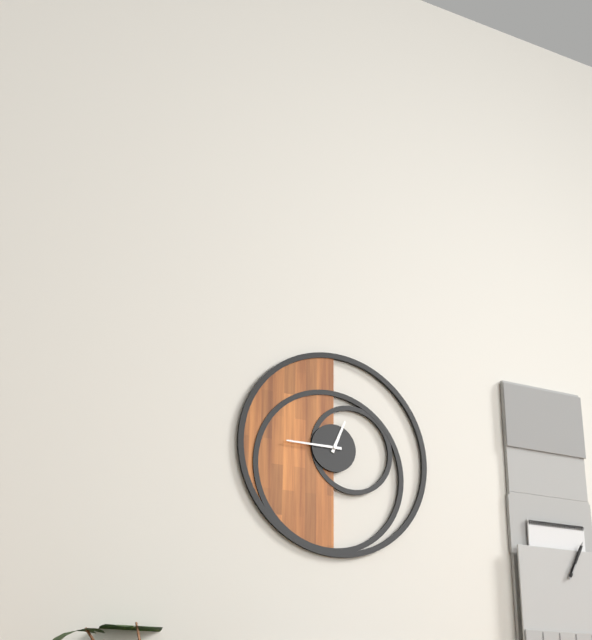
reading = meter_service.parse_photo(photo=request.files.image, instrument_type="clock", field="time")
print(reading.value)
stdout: 12:45
